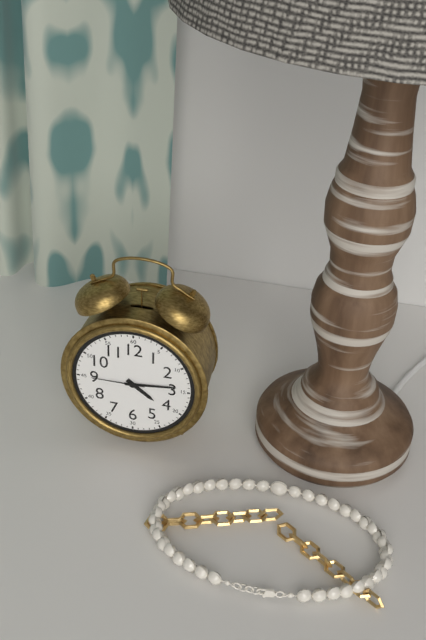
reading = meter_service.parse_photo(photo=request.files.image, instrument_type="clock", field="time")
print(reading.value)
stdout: 4:14:45
